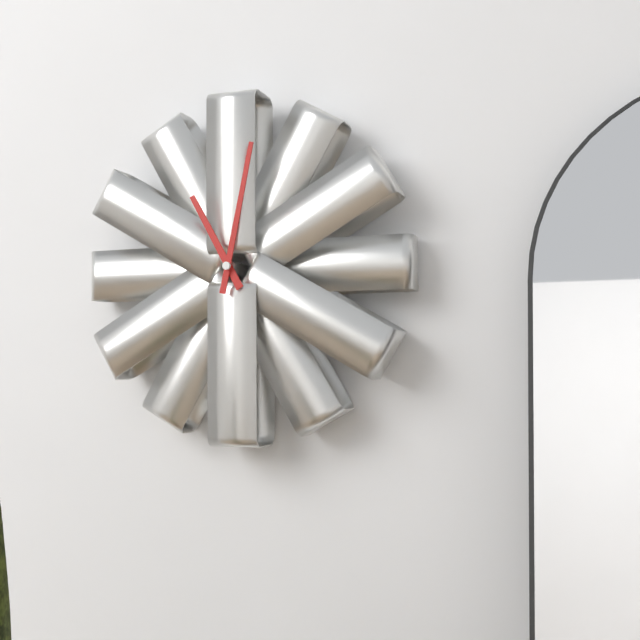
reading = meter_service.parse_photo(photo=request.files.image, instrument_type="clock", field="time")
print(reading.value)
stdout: 11:02
